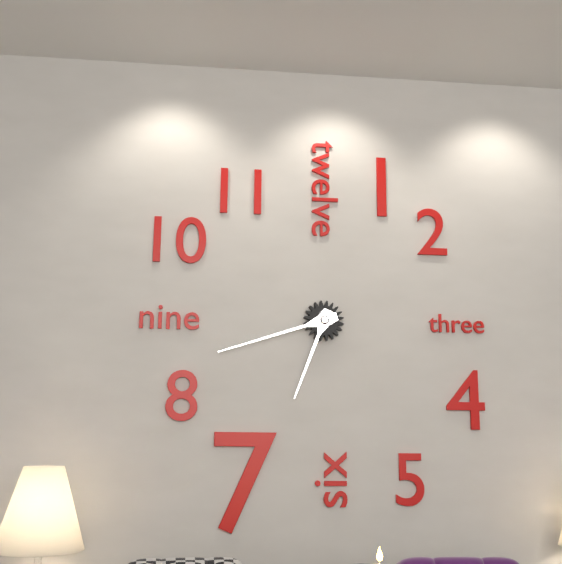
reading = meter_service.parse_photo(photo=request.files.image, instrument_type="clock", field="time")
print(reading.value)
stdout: 6:42
